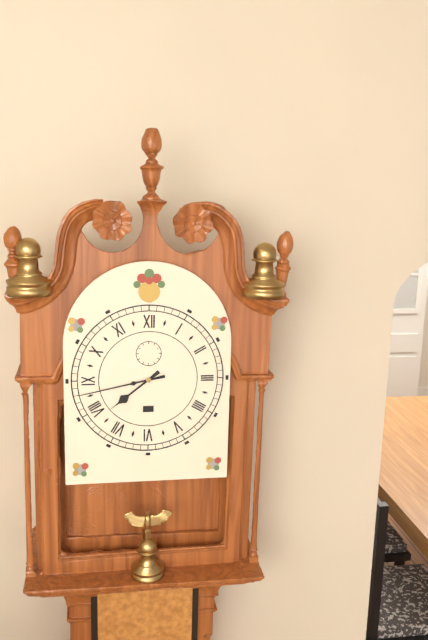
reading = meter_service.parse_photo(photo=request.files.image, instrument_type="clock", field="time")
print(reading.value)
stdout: 7:43
